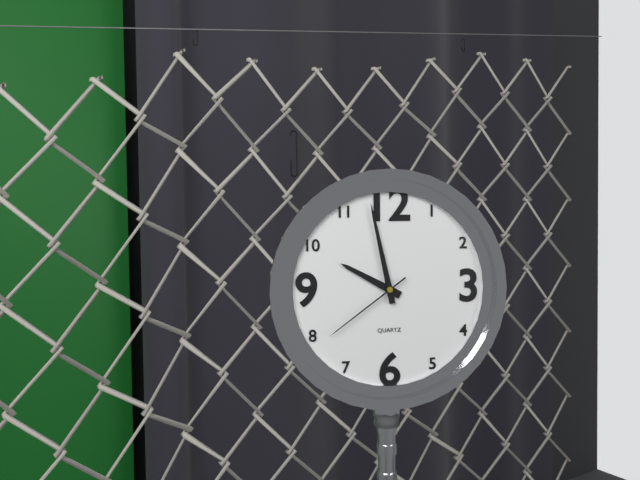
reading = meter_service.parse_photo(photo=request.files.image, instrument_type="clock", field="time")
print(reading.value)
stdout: 9:58:39
